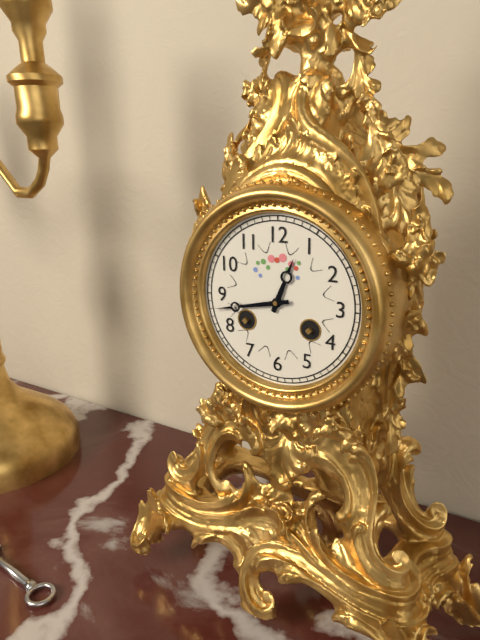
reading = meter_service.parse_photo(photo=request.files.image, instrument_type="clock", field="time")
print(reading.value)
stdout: 12:43
